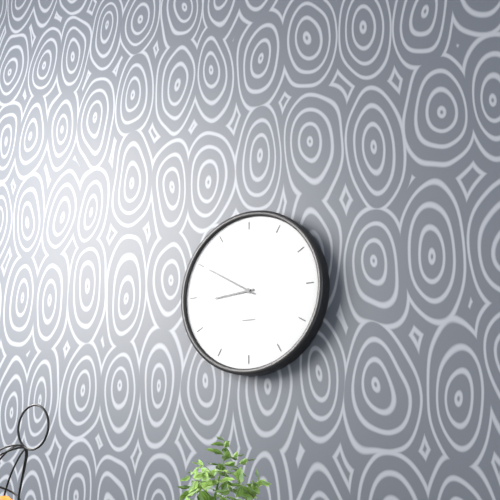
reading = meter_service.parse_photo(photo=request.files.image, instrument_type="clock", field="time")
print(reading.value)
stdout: 8:50
